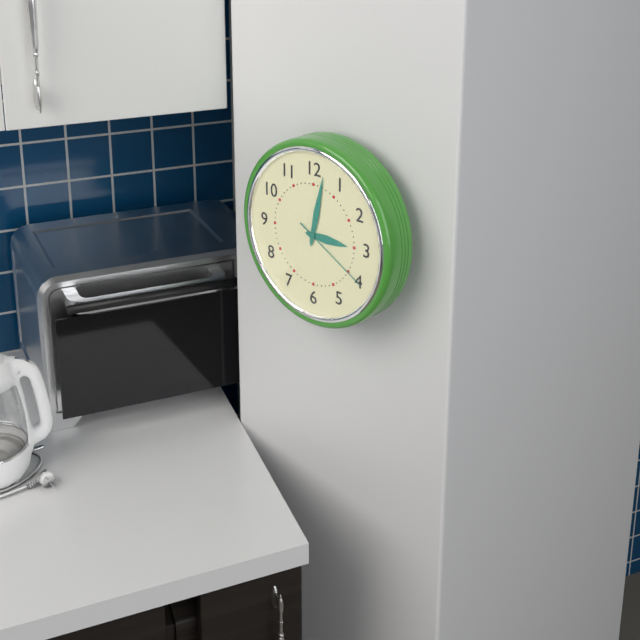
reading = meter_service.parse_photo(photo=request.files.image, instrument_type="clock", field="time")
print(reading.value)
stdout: 3:02:20
